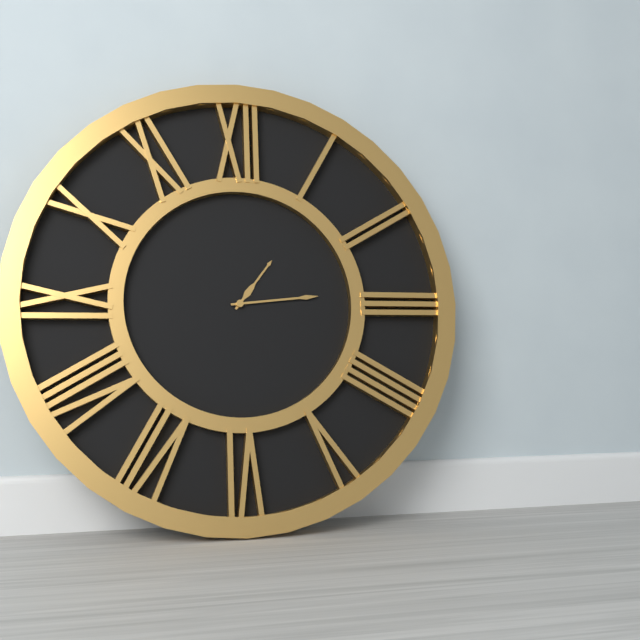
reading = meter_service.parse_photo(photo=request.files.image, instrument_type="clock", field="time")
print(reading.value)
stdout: 1:14
